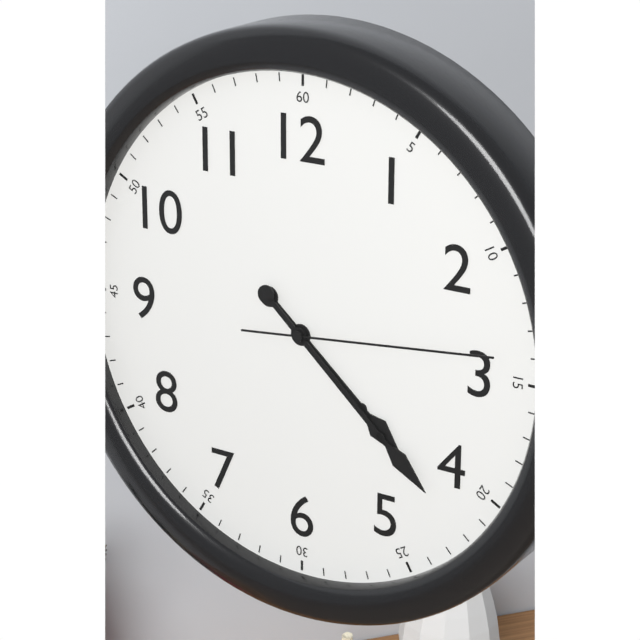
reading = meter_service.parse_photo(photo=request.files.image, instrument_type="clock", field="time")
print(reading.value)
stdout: 4:22:14
